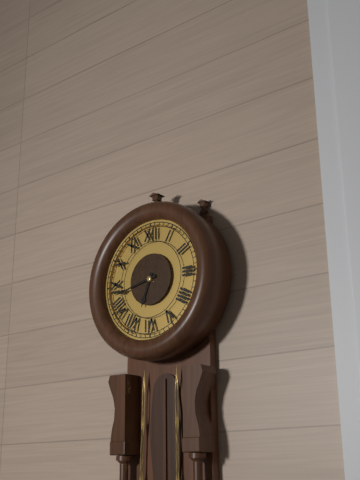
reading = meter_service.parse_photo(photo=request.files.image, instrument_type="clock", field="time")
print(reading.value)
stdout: 6:43
